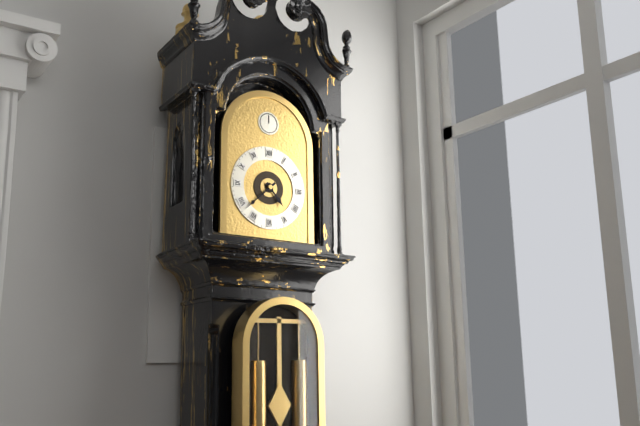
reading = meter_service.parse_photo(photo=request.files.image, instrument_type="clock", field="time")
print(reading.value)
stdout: 4:38
